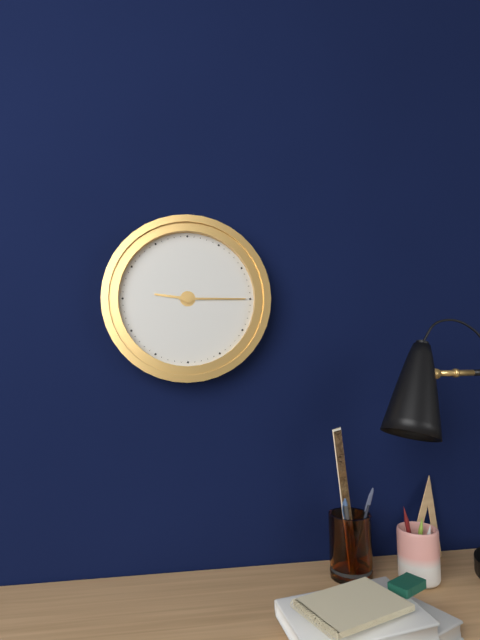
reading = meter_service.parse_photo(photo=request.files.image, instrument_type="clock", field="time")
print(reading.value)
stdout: 9:15
